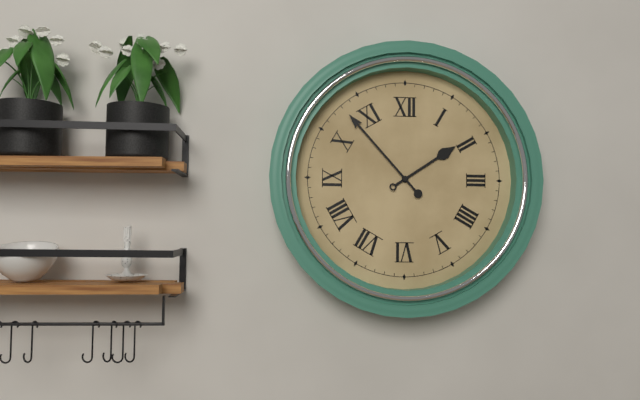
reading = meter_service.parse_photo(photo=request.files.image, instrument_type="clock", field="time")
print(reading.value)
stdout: 1:53
